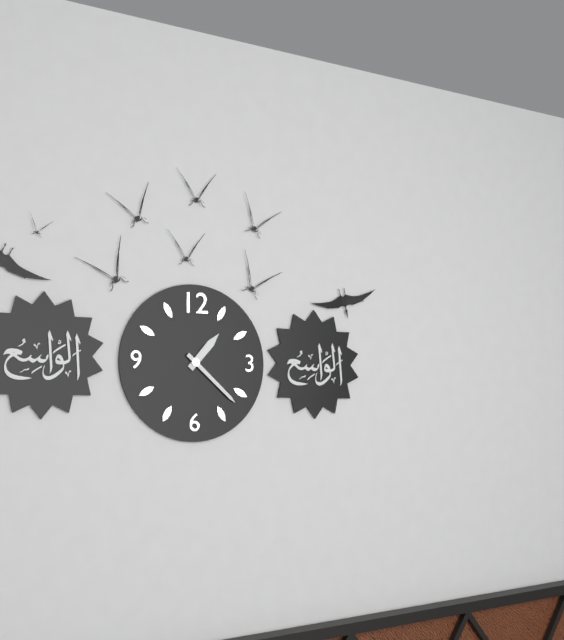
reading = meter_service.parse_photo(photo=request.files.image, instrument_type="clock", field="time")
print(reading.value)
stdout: 1:22
